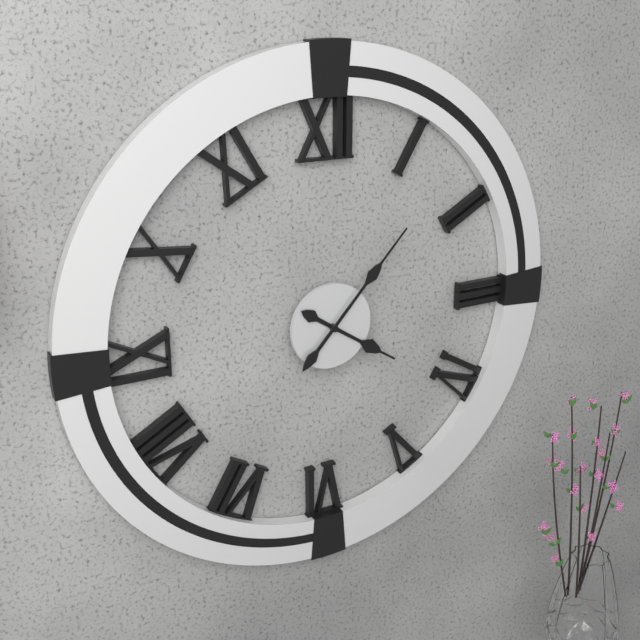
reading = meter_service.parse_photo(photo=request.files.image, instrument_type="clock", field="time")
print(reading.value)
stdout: 4:07
